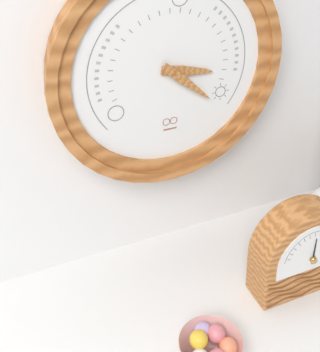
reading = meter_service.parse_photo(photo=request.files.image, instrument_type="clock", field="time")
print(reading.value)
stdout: 3:22
